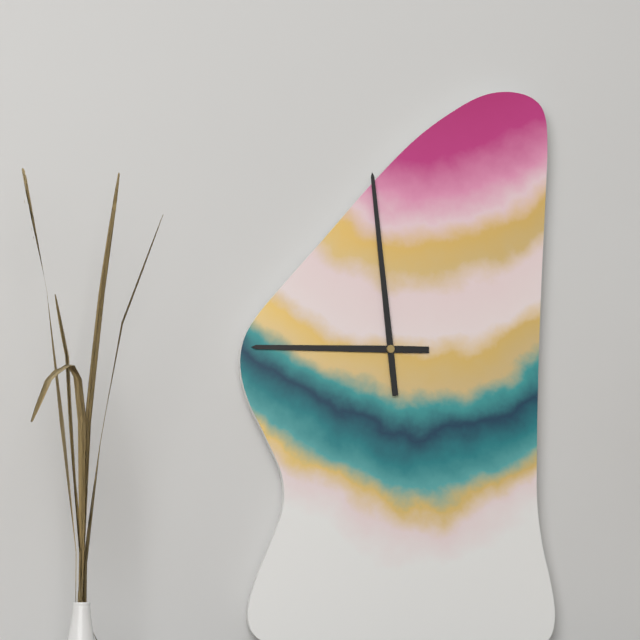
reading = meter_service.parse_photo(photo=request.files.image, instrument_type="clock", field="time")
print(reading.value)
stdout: 8:59
